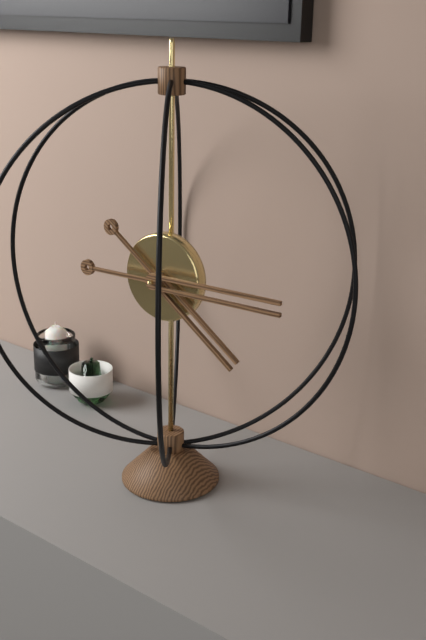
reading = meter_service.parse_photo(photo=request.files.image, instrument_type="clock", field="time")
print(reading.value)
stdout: 4:15
